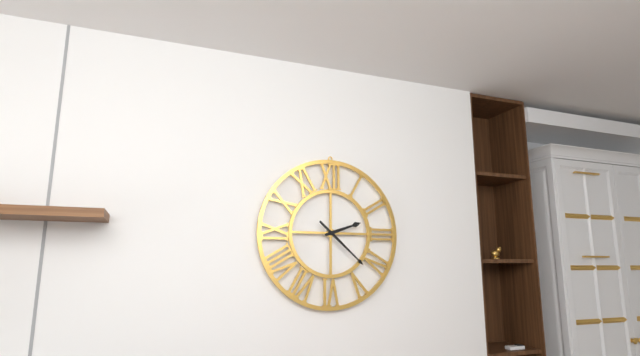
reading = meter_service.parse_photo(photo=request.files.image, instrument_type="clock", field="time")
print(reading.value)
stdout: 2:22
